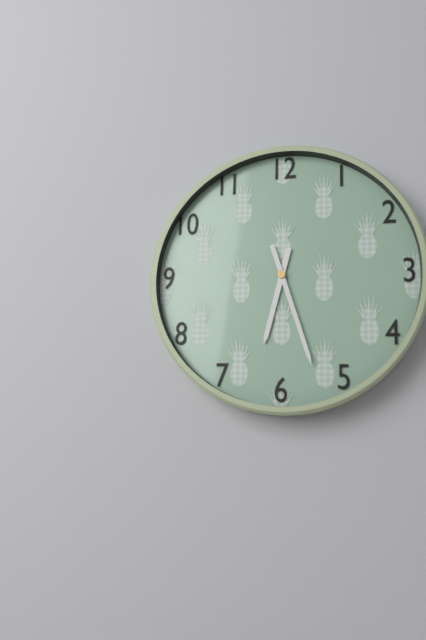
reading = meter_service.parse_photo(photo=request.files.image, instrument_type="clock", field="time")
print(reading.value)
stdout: 6:27
